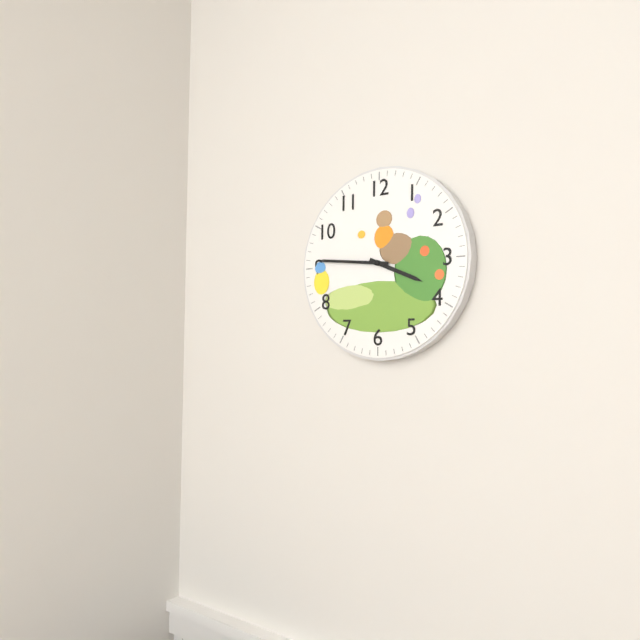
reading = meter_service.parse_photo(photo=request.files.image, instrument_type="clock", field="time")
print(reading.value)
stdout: 3:46
